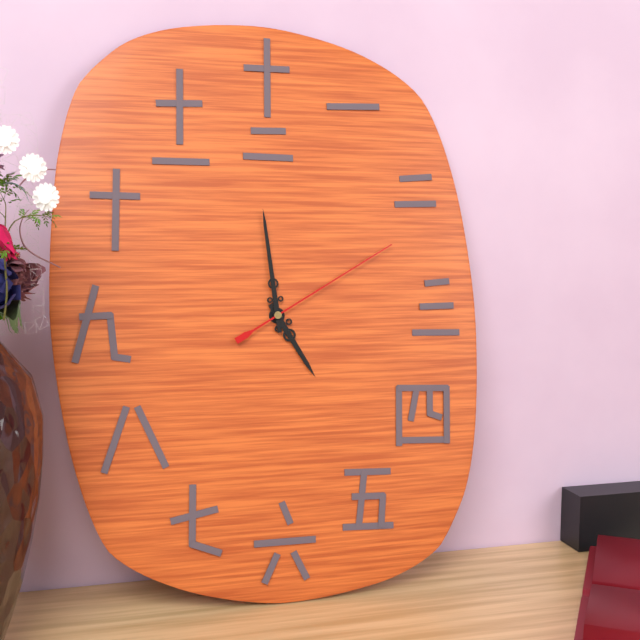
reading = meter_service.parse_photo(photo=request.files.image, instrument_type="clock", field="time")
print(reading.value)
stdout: 4:59:10
